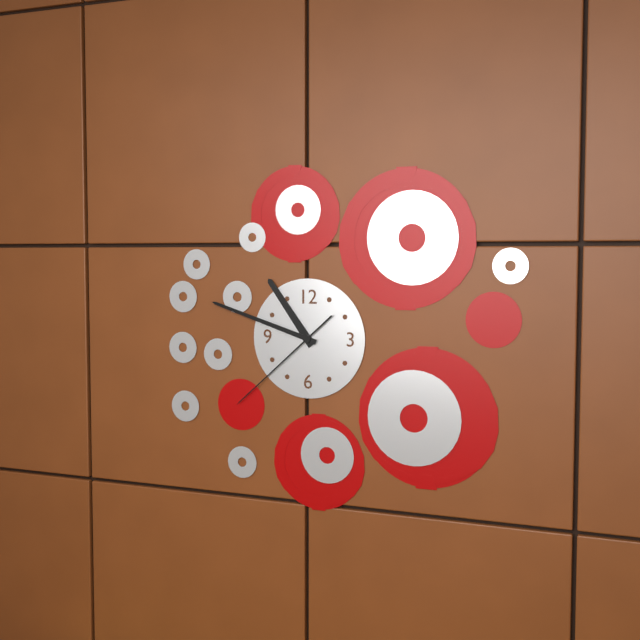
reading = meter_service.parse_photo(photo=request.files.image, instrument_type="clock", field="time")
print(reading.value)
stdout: 10:48:38
